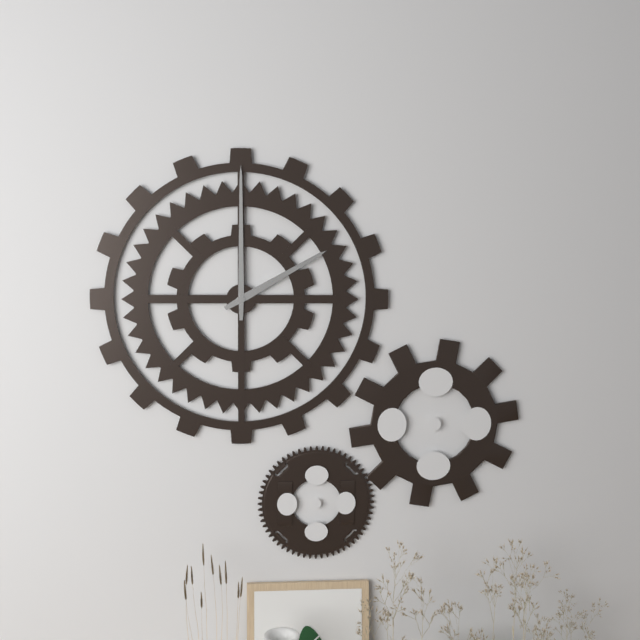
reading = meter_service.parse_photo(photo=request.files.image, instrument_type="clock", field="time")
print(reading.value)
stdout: 2:00
